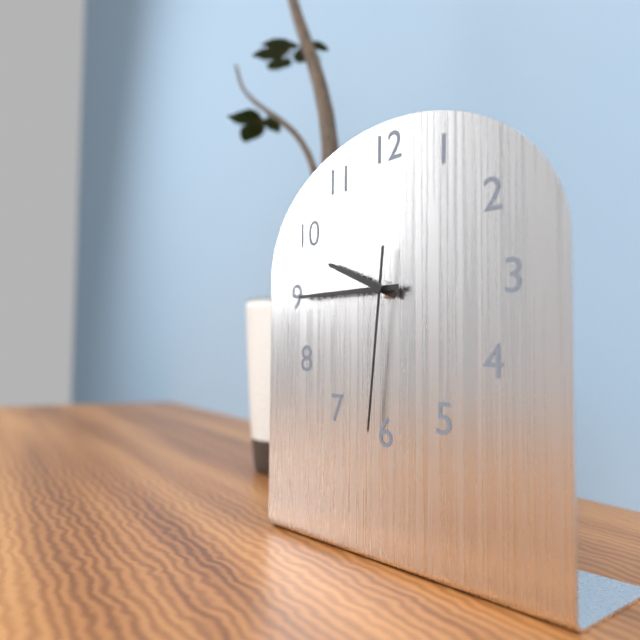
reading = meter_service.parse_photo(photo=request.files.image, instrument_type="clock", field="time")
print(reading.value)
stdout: 9:45:31
